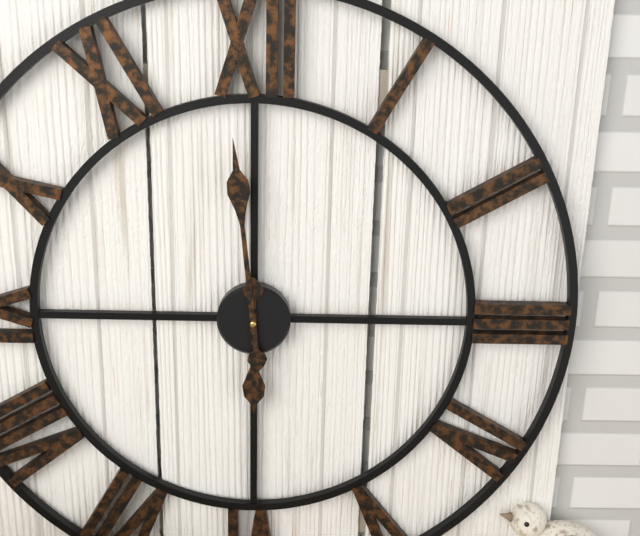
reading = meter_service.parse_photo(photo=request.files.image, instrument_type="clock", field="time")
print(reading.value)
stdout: 5:59
